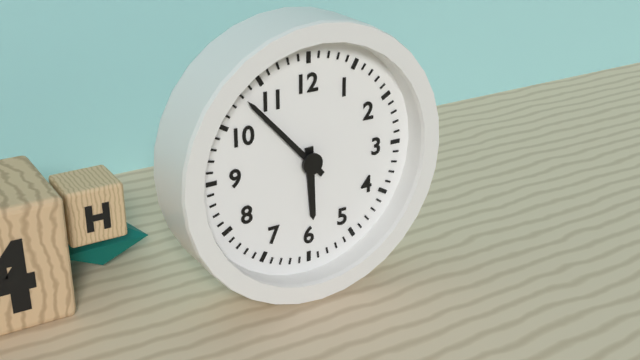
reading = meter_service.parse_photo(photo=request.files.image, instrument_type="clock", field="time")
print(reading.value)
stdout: 5:53
